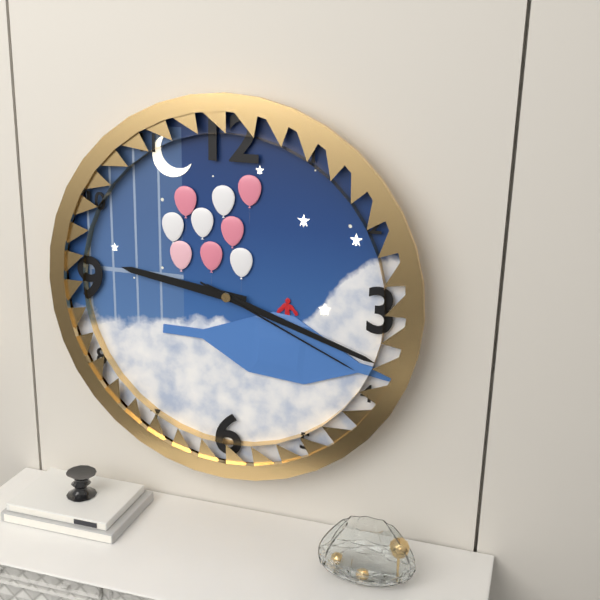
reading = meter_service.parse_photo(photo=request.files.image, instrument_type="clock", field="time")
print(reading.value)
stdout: 9:18:19
